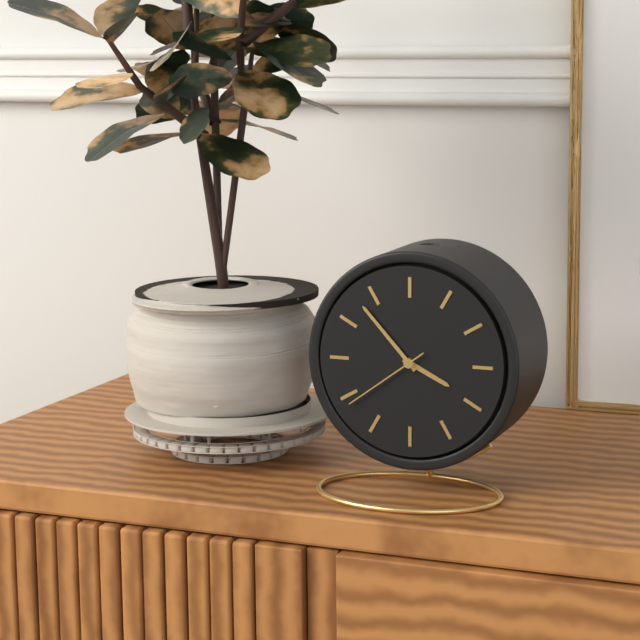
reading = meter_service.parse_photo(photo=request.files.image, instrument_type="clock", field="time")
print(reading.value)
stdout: 3:53:39
